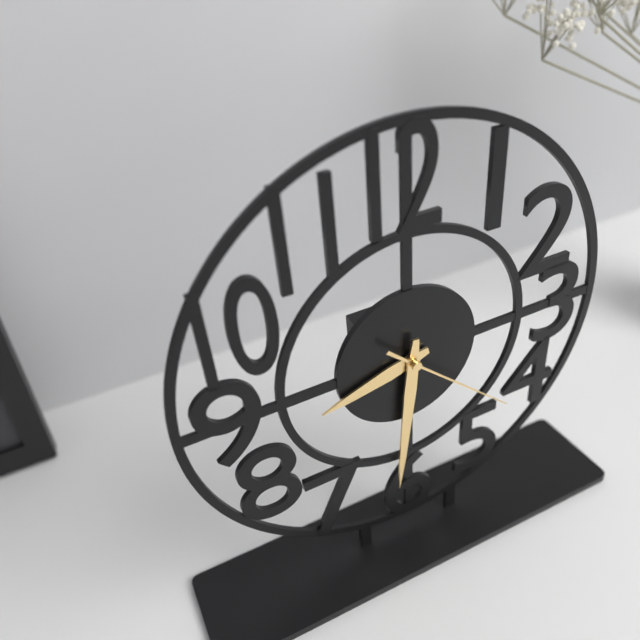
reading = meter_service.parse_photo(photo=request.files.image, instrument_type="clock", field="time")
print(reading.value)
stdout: 8:31:22
